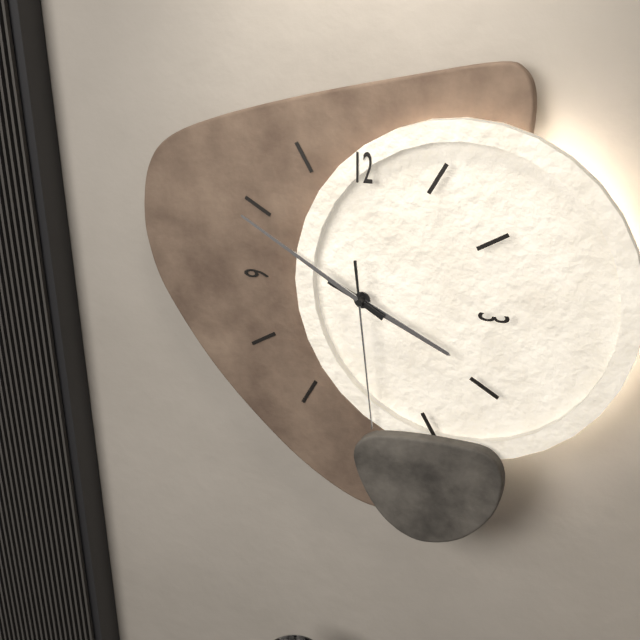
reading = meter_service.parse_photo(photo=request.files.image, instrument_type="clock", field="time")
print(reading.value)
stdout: 3:50:29
